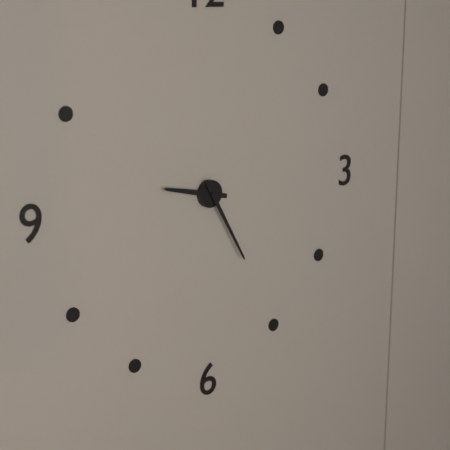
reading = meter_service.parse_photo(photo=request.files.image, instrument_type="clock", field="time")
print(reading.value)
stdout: 9:25
